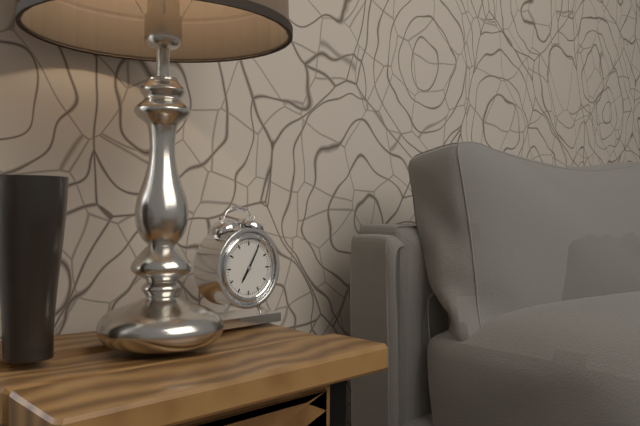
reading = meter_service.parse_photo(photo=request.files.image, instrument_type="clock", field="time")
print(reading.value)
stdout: 7:05
